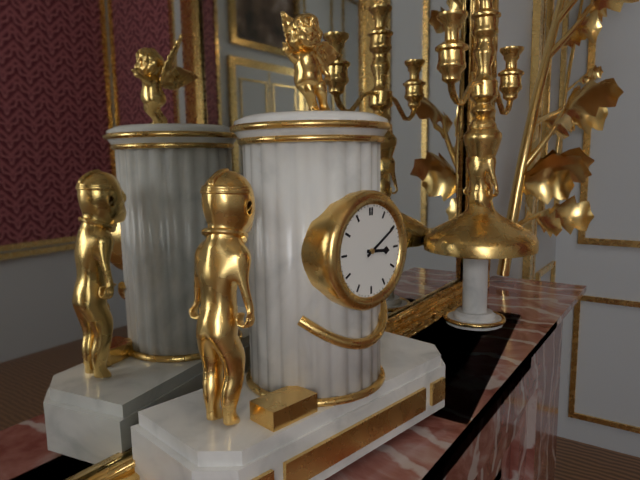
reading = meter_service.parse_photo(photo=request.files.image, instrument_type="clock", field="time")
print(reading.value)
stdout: 3:10
